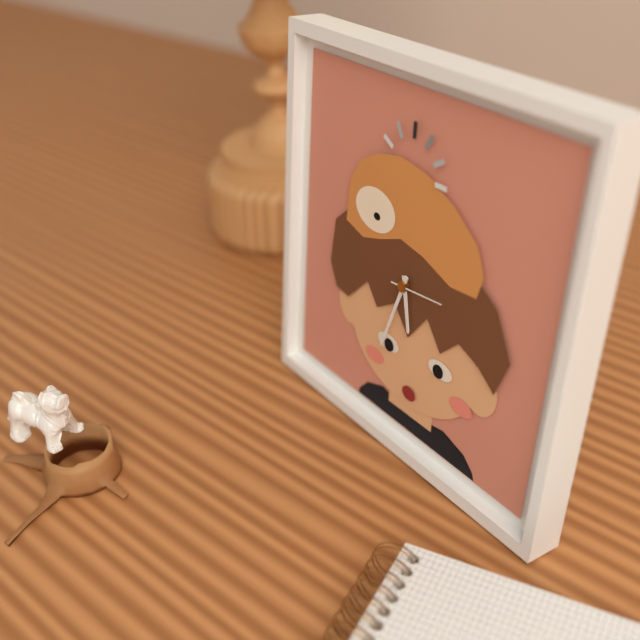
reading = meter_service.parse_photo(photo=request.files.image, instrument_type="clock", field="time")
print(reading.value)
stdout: 5:33:14
